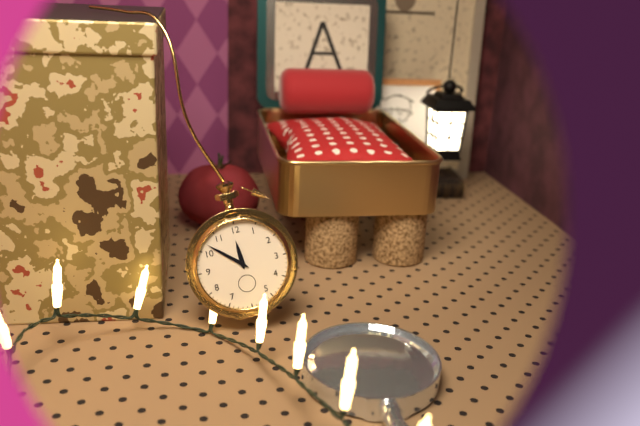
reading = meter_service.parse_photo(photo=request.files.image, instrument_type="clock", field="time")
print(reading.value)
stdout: 11:52
